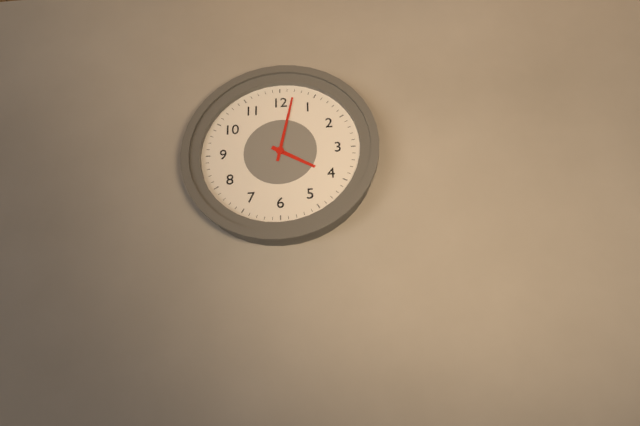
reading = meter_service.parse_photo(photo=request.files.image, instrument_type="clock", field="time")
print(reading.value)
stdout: 4:02
